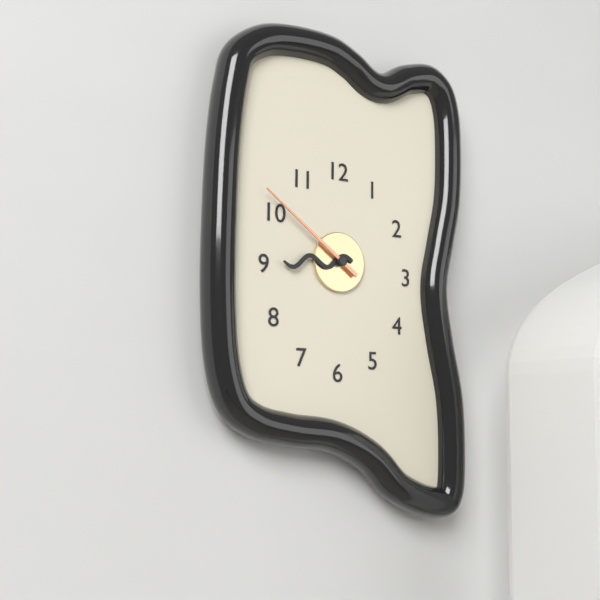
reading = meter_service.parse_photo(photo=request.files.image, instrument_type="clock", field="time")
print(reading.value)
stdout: 8:51
